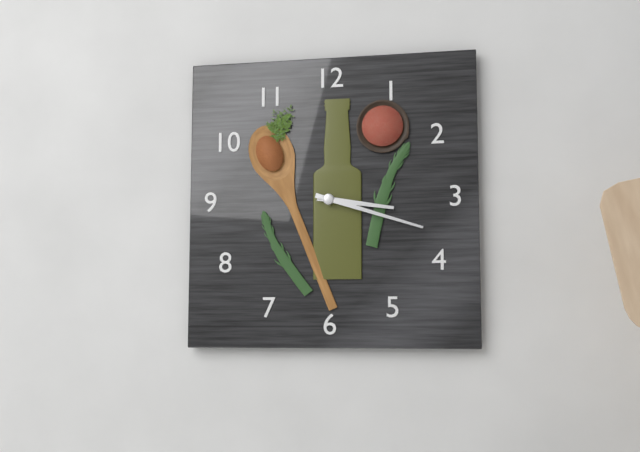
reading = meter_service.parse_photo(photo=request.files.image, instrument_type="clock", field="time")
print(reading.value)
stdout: 3:18
